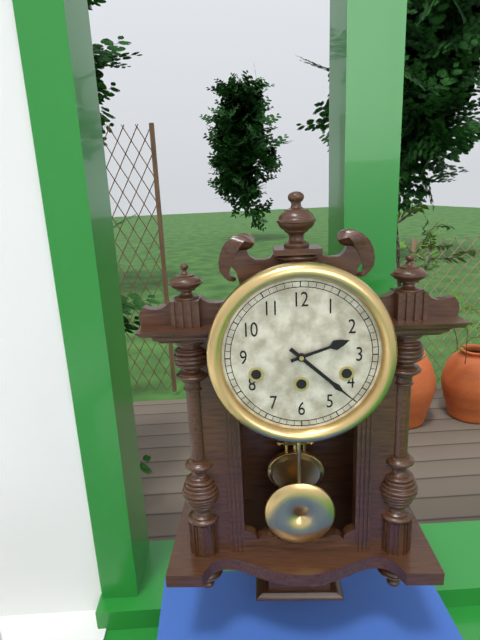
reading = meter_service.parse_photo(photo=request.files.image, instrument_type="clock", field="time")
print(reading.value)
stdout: 2:22
